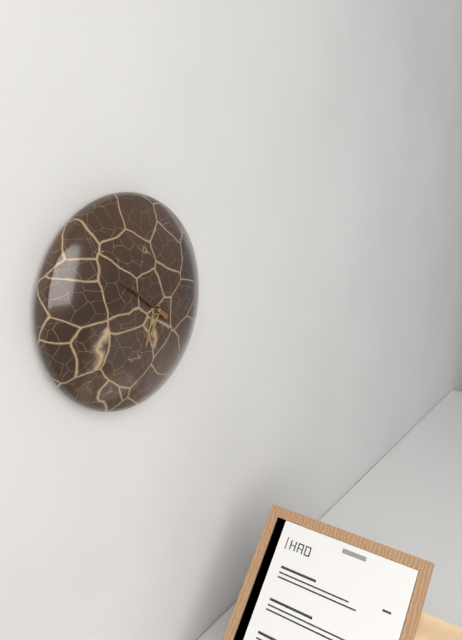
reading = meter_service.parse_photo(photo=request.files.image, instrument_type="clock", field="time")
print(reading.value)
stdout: 6:51
